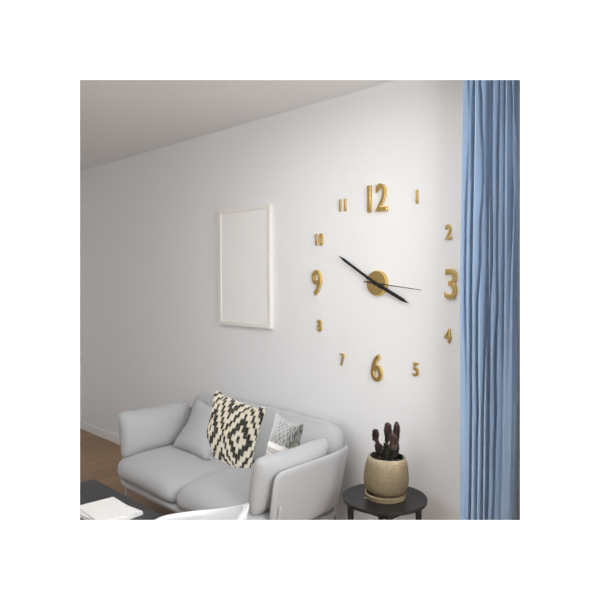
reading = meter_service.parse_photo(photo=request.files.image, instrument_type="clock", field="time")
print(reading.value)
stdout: 3:50:16
